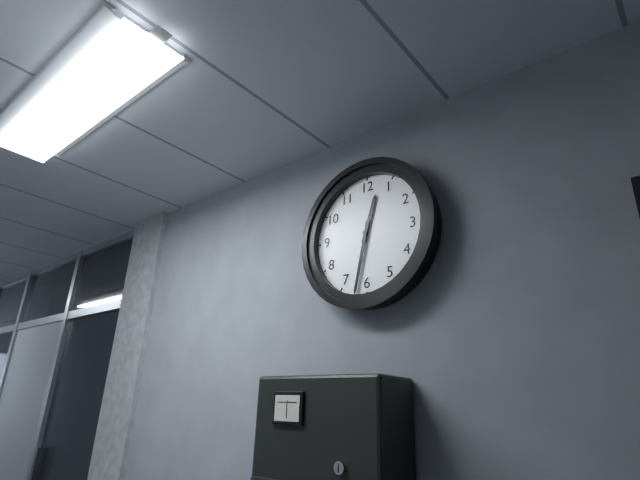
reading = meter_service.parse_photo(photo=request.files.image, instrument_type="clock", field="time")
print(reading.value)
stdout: 12:32
